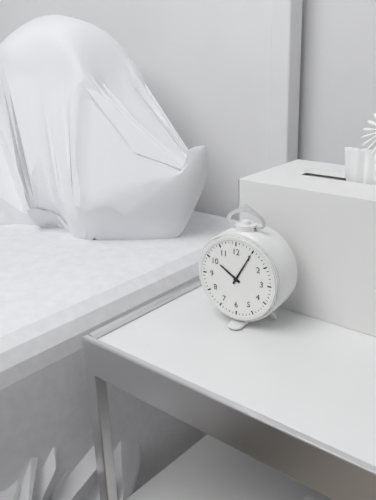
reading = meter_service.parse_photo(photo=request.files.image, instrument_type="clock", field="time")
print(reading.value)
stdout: 10:05
